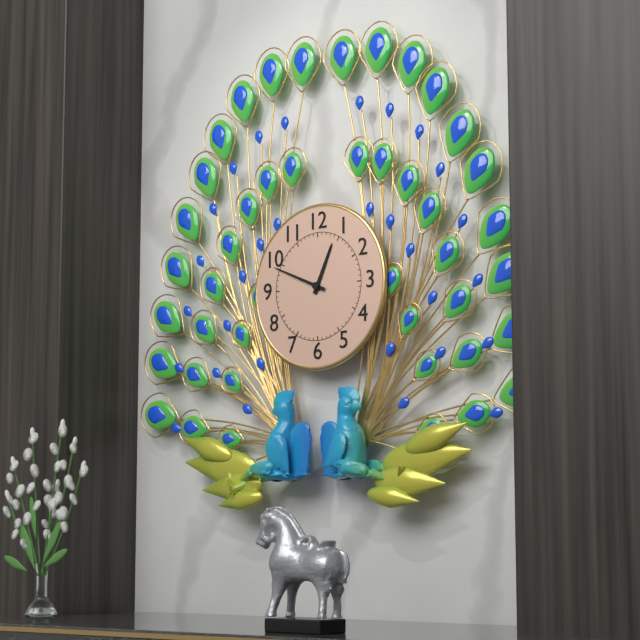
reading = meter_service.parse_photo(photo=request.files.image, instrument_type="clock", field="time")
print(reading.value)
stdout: 12:49
